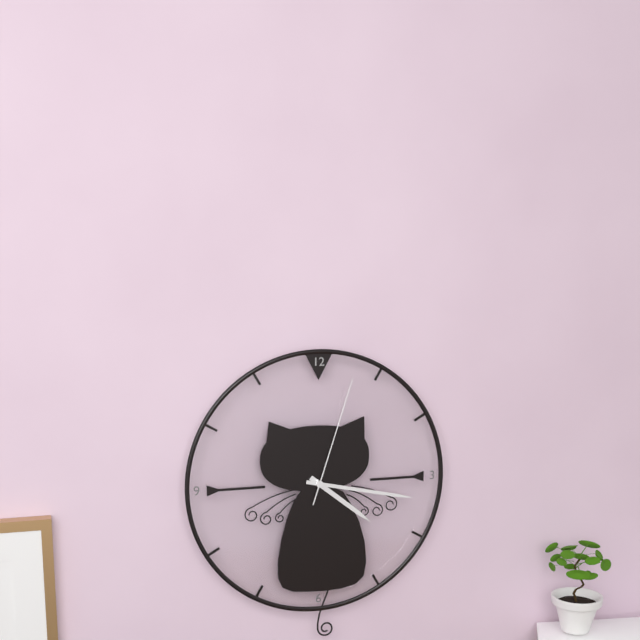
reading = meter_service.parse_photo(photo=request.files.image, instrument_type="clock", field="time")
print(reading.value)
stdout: 4:17:03
